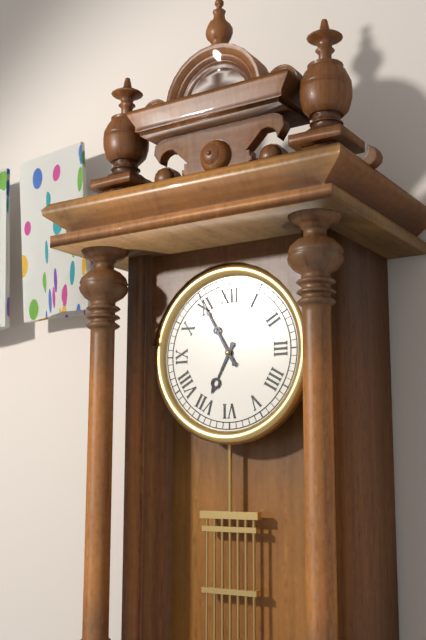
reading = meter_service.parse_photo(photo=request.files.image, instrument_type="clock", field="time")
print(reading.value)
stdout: 6:55
